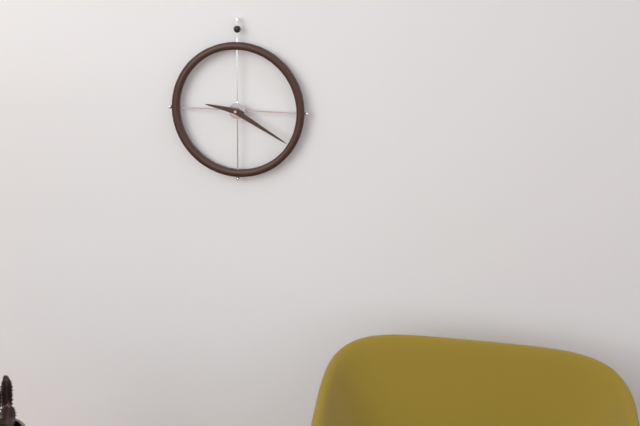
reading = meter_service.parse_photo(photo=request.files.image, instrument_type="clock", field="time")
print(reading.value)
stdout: 9:20
